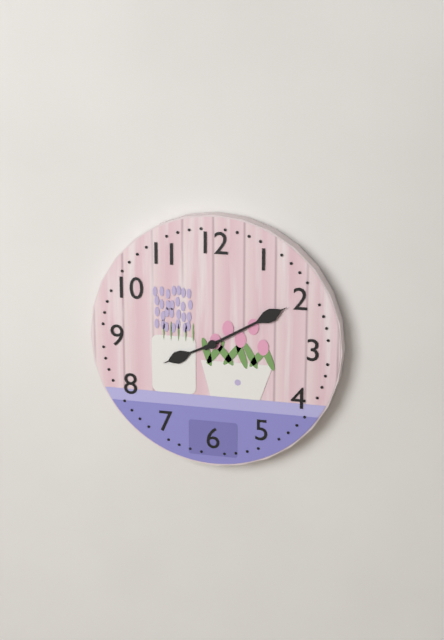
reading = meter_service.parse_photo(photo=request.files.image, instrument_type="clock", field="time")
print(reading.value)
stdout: 8:10
